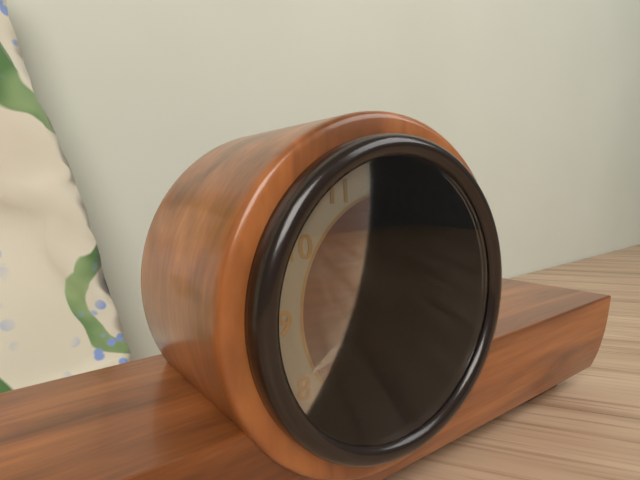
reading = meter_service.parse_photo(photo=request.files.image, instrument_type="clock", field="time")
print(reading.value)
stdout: 2:41
